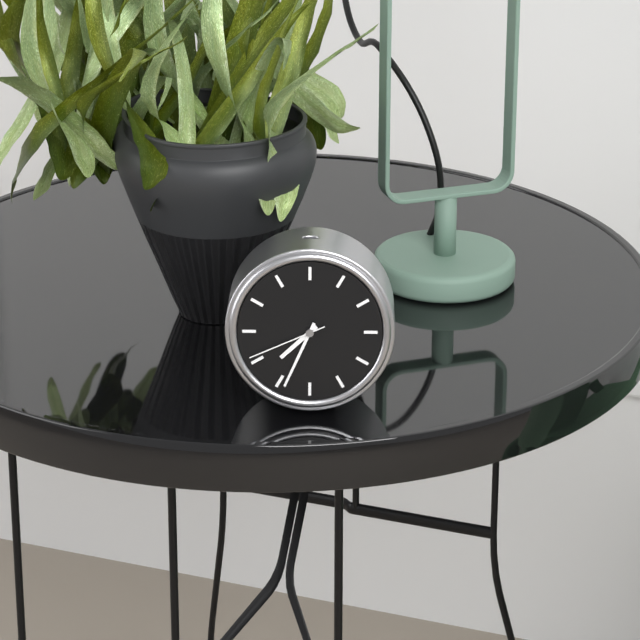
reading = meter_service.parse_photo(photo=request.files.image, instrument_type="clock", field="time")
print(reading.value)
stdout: 7:34:41
